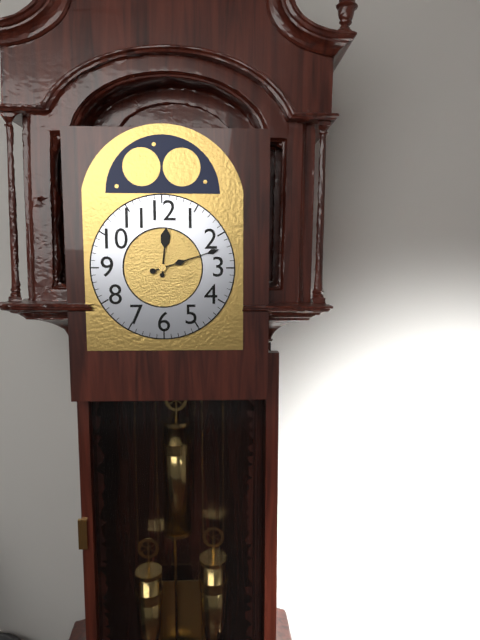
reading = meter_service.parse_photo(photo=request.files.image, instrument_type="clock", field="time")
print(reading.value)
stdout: 12:12
